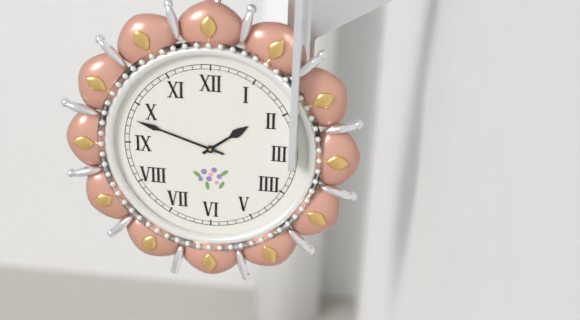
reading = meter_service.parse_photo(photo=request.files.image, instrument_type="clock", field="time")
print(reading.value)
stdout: 1:48
